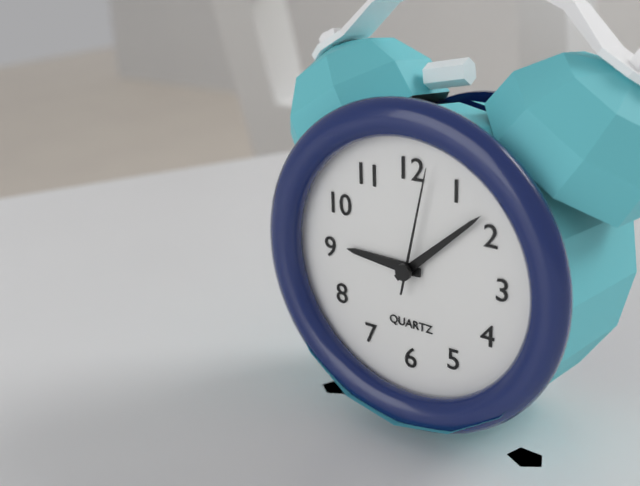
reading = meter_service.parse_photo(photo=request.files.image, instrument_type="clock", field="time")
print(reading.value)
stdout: 9:08:02
